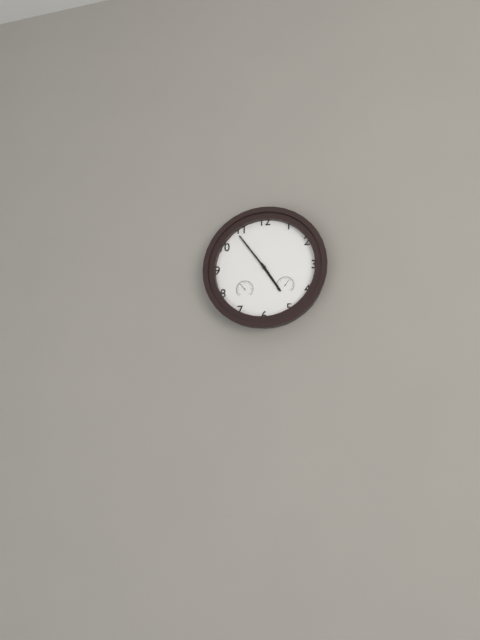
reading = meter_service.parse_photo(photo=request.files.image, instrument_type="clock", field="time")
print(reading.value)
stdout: 4:54
